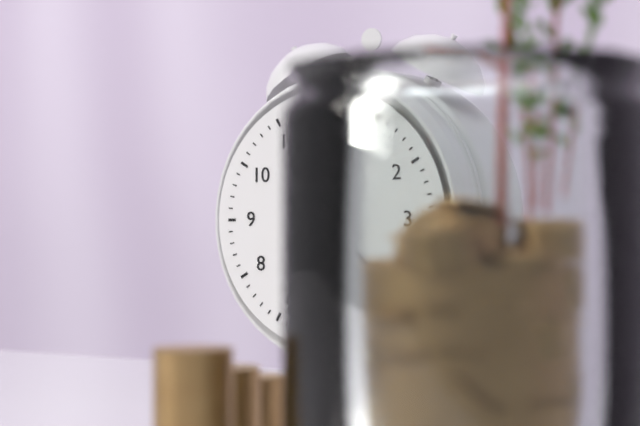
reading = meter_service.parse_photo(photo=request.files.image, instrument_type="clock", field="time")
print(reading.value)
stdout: 4:30:26
